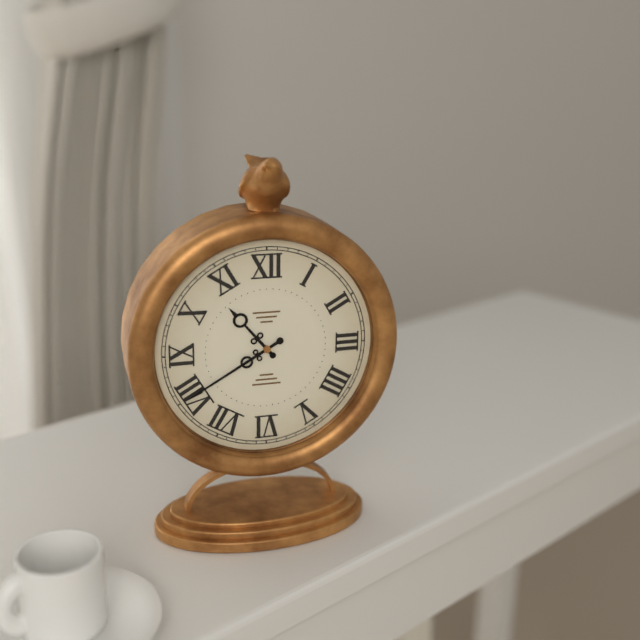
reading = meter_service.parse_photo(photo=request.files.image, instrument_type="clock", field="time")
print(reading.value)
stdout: 10:40
